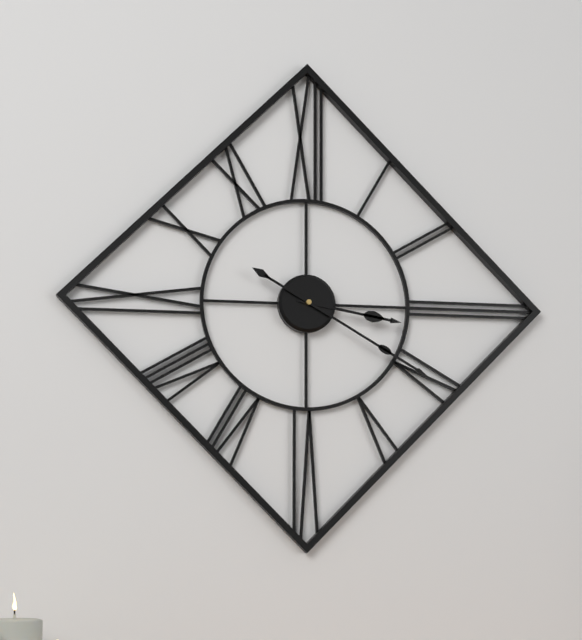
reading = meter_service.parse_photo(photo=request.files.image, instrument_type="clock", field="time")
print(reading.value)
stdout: 3:20
